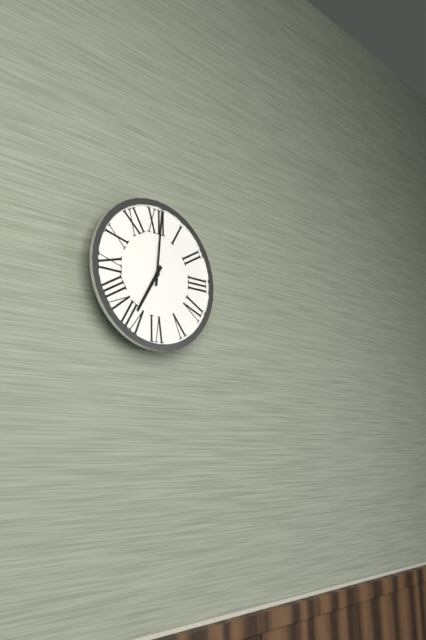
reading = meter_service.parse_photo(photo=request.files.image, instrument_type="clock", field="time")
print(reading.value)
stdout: 7:01
